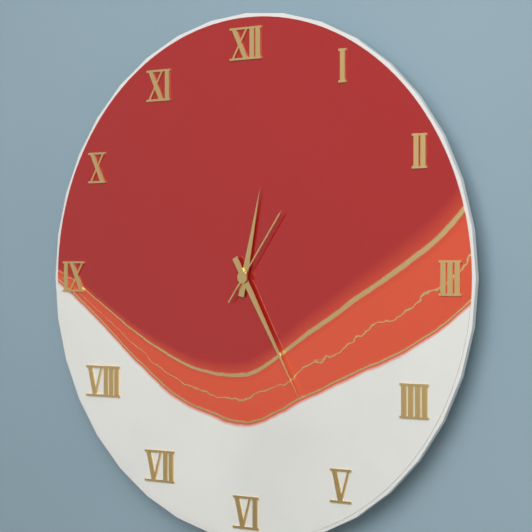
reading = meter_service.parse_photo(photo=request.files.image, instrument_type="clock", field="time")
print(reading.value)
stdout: 12:25:06
